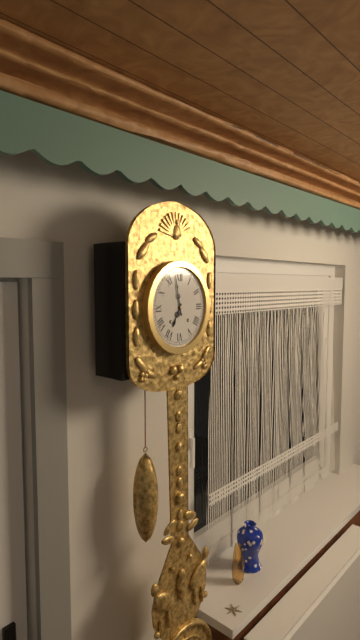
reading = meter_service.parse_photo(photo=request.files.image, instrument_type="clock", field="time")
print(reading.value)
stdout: 6:58
